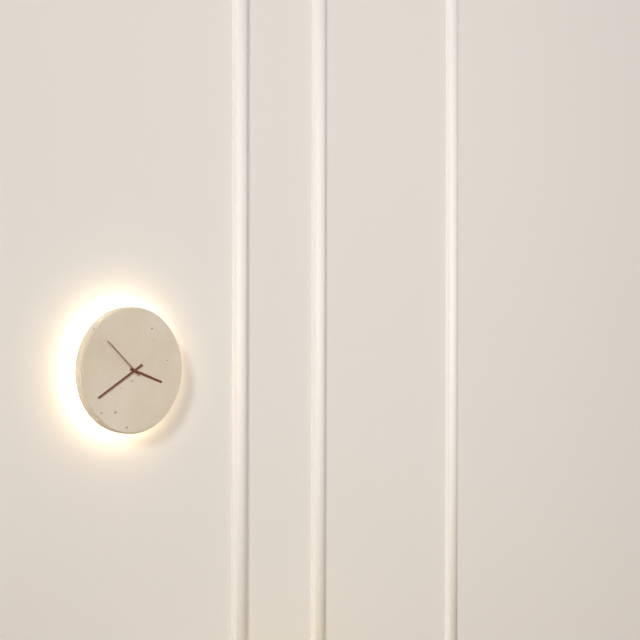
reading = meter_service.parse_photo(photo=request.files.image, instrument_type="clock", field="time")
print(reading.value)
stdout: 3:40
